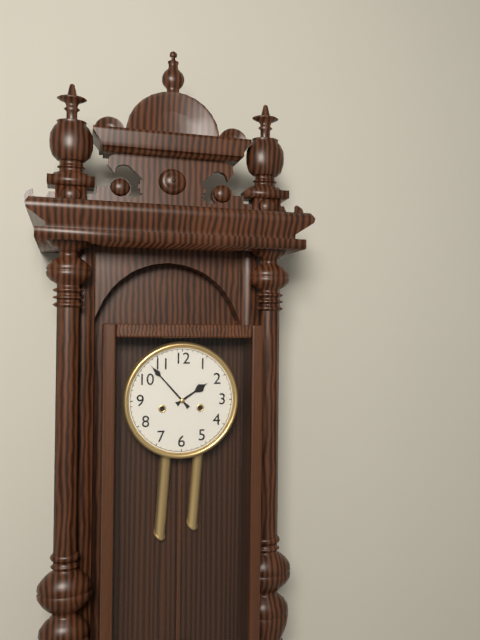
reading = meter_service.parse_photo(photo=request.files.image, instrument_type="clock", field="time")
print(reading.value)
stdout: 1:53
